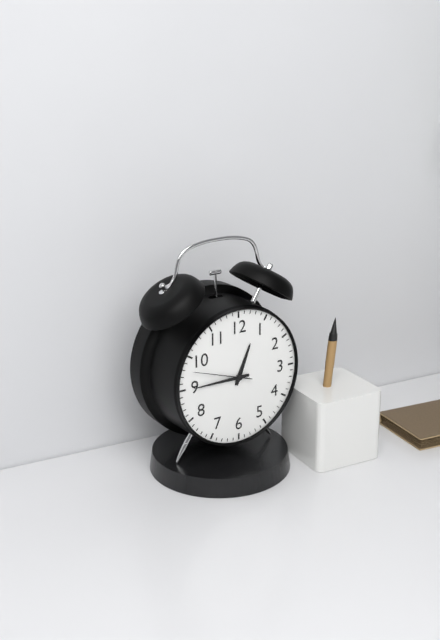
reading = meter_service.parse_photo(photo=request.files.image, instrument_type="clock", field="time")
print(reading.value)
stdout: 12:45:48
